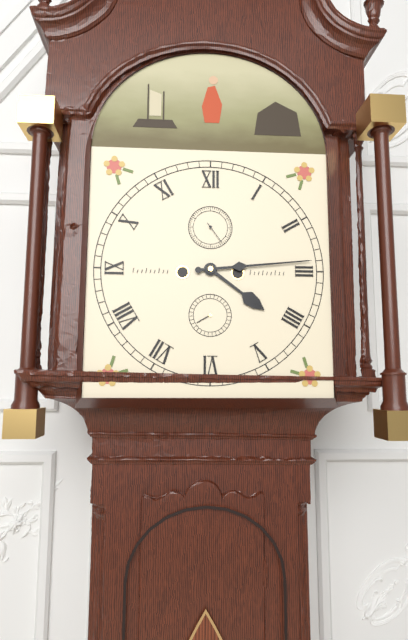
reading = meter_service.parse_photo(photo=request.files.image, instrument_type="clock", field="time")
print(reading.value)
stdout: 4:14
